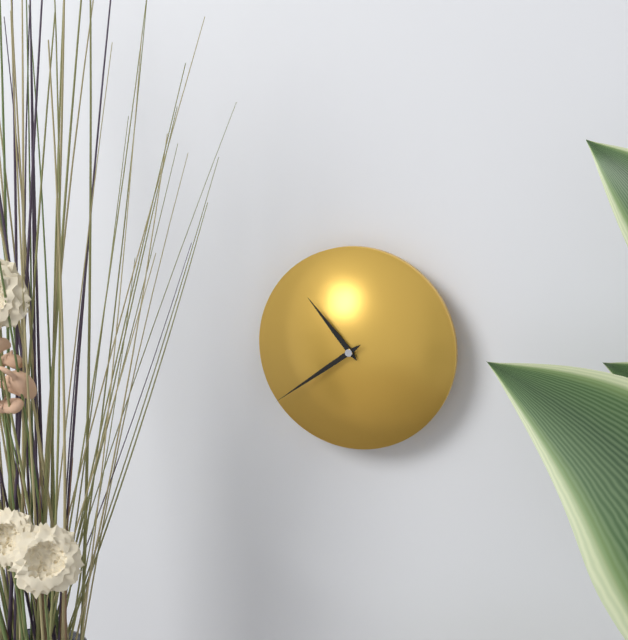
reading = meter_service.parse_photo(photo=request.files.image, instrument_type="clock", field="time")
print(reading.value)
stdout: 10:39
